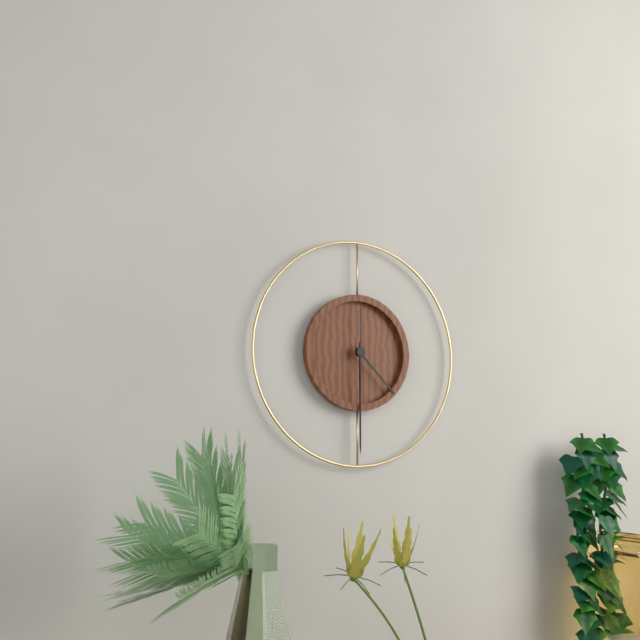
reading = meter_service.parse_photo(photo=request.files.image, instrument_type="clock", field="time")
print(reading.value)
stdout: 4:30:30
